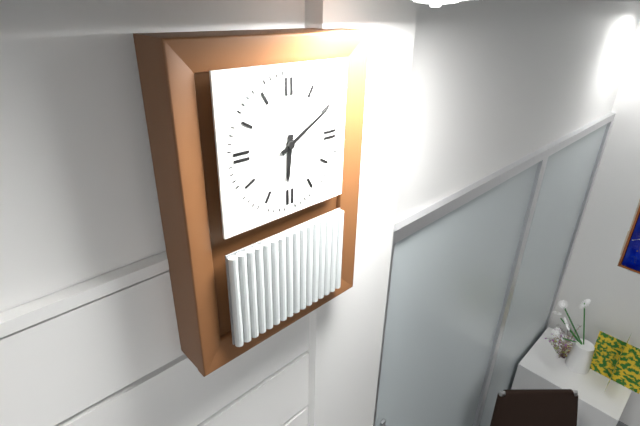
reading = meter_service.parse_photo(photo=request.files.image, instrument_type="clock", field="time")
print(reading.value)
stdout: 6:10
